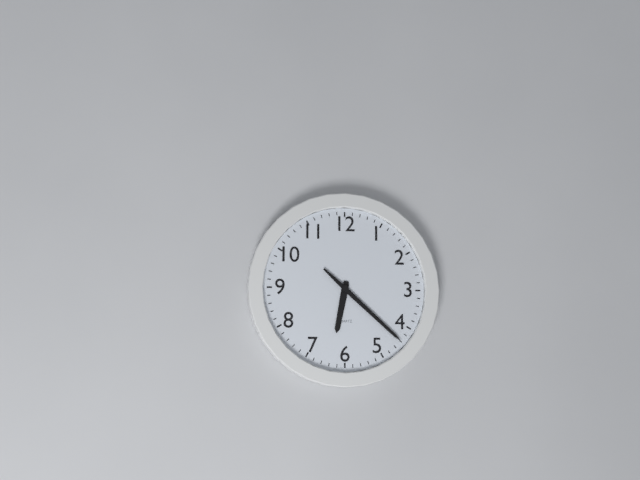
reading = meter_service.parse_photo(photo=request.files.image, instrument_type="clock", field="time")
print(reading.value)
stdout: 6:22
